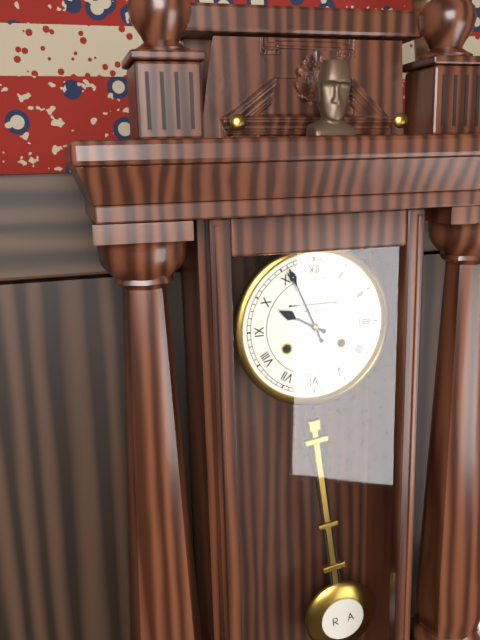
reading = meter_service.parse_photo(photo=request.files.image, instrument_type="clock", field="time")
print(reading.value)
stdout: 9:56
